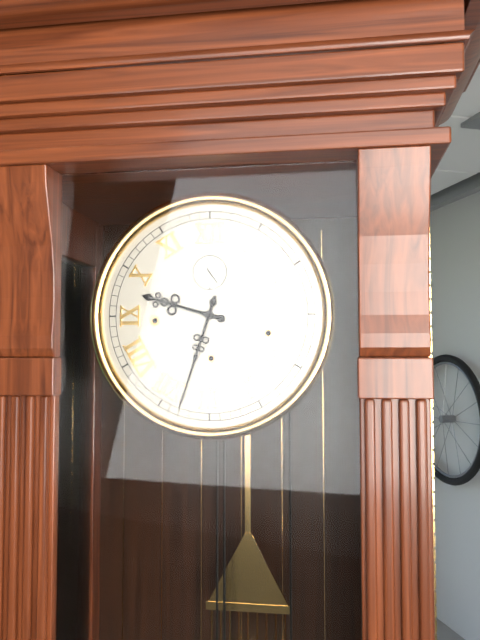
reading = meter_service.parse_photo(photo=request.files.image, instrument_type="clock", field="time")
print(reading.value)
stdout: 9:33
